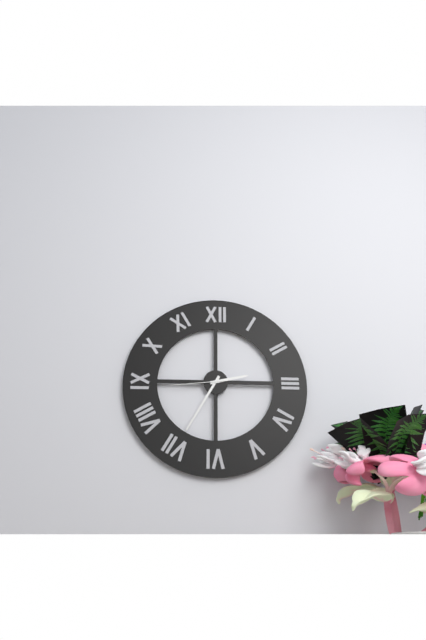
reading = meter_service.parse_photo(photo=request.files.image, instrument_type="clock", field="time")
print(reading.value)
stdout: 2:35:44
